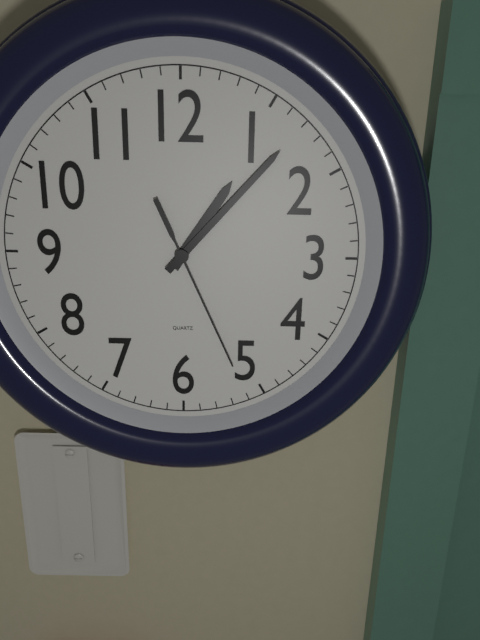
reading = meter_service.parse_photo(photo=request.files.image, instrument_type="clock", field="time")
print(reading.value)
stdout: 1:07:26
